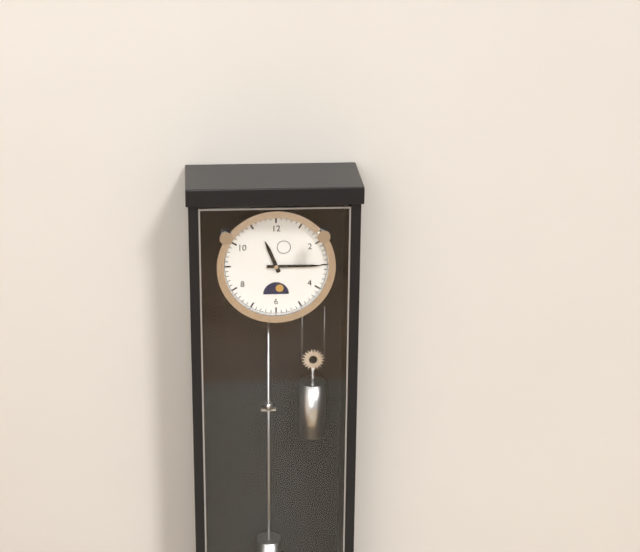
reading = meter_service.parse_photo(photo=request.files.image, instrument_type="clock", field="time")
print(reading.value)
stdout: 11:15
